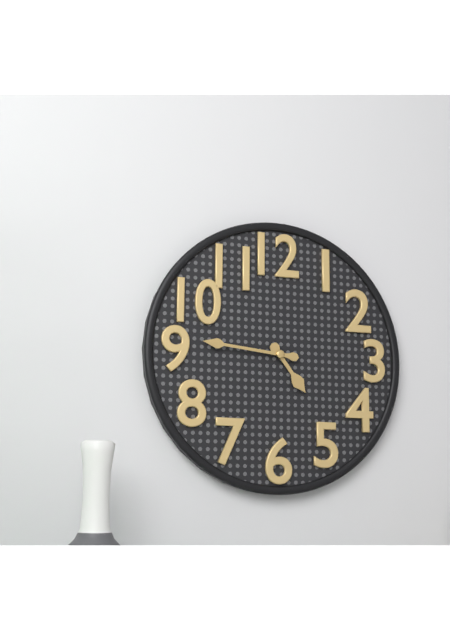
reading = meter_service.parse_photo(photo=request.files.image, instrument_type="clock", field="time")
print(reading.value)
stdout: 4:46
